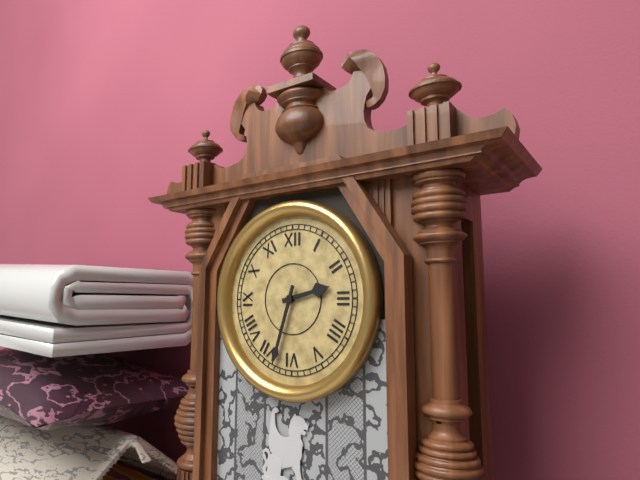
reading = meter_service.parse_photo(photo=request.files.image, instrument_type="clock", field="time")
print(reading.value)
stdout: 2:33
